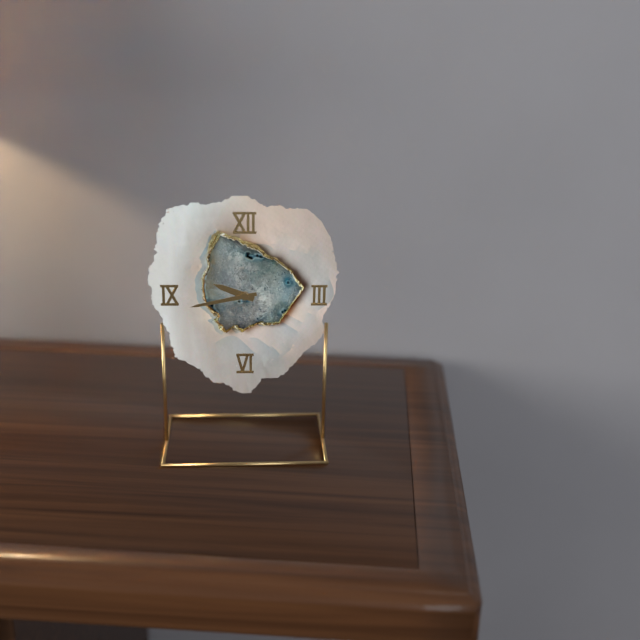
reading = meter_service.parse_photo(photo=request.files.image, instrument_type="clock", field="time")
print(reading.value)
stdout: 9:43
